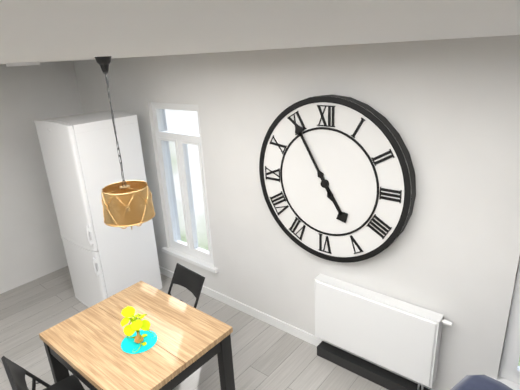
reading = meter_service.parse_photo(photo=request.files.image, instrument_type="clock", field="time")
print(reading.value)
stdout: 4:55
